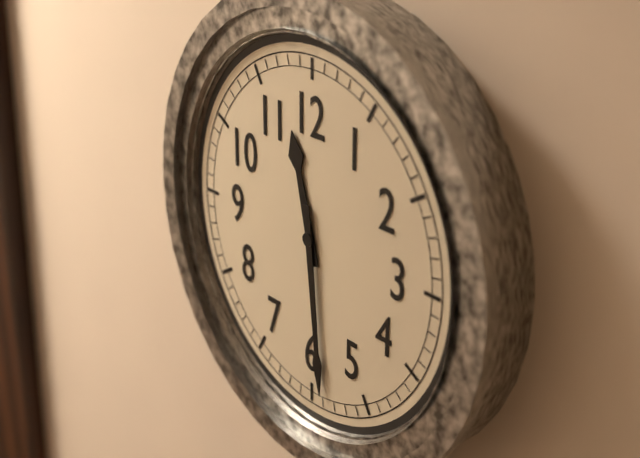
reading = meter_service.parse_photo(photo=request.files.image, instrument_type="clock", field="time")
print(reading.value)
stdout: 11:29
